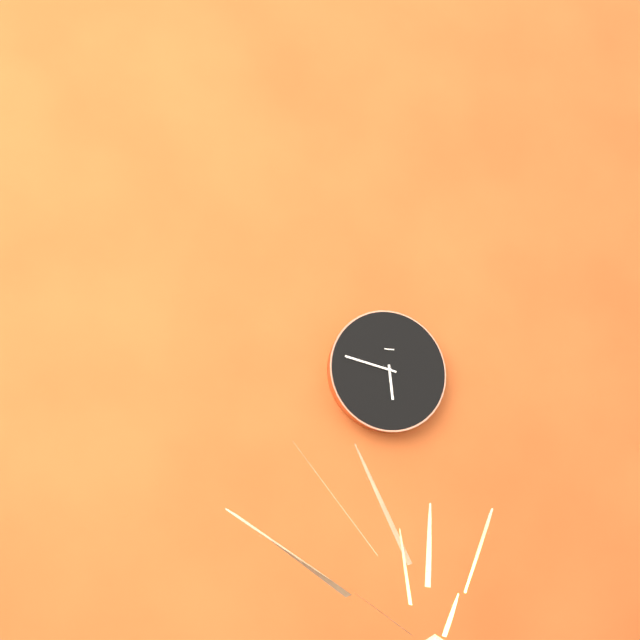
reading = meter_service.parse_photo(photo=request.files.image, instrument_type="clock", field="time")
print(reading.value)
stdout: 5:47
